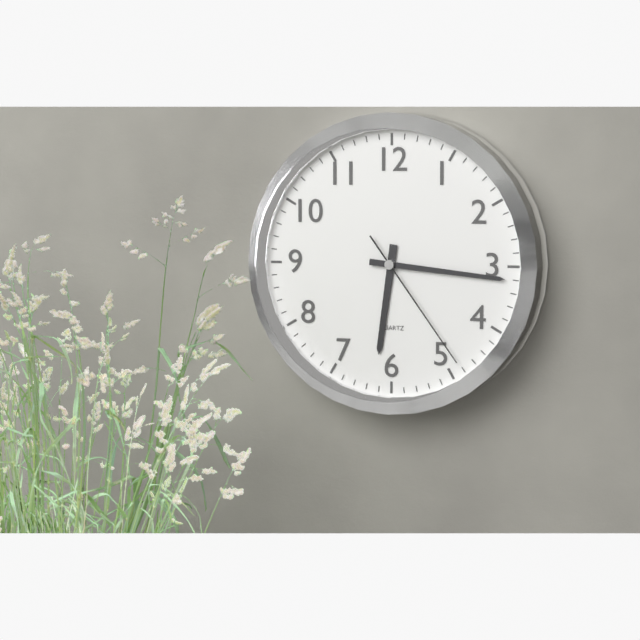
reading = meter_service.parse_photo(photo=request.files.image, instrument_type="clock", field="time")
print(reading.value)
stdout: 6:16:24
